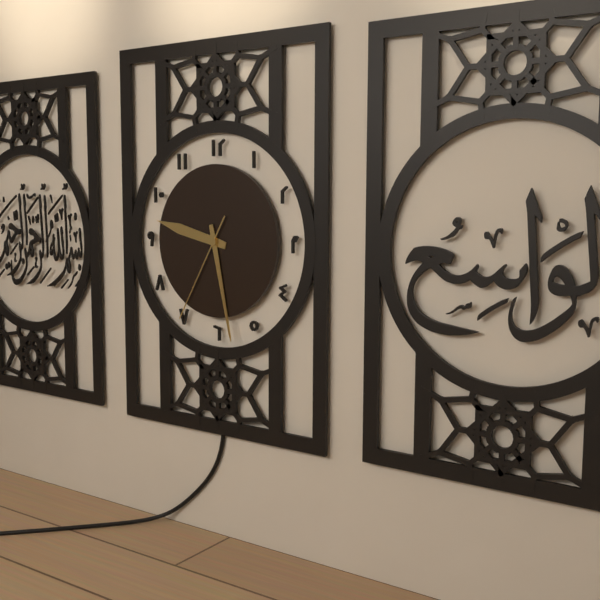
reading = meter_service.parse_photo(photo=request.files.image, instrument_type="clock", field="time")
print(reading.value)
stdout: 9:28:35
